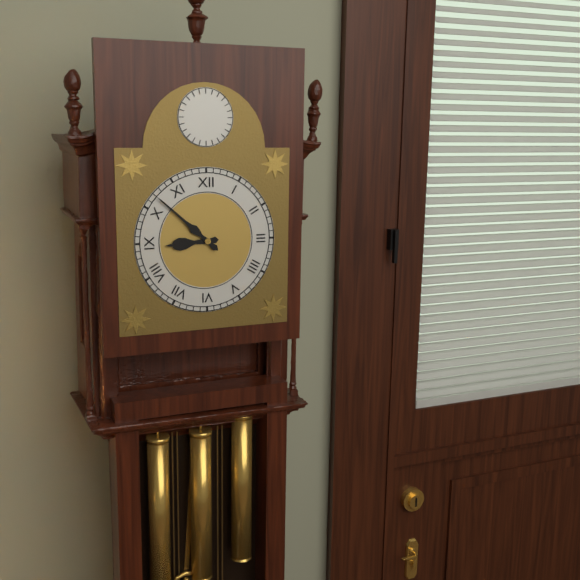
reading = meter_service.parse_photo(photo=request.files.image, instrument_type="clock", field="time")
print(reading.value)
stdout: 8:52
